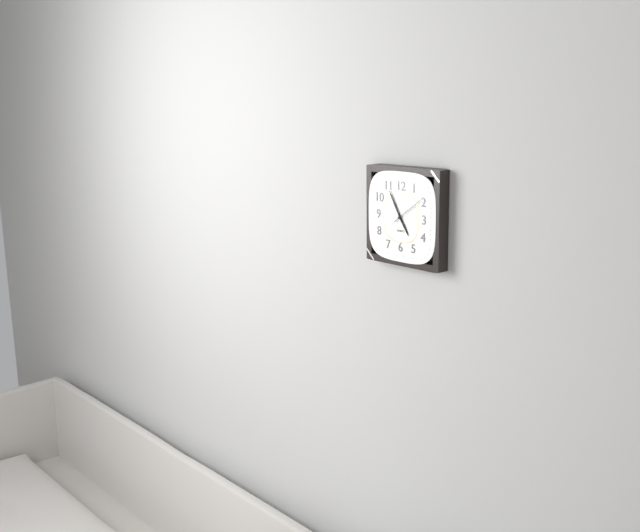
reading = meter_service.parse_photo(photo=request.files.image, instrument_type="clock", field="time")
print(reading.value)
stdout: 4:55
